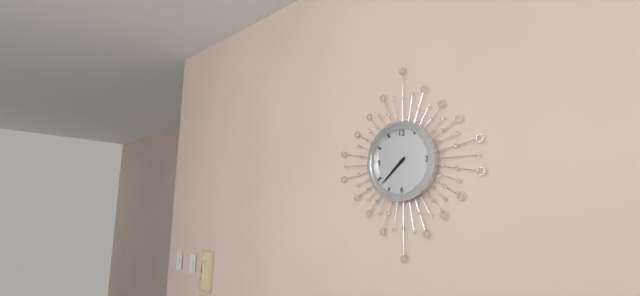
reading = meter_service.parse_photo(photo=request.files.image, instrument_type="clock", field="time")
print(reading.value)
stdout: 7:38
